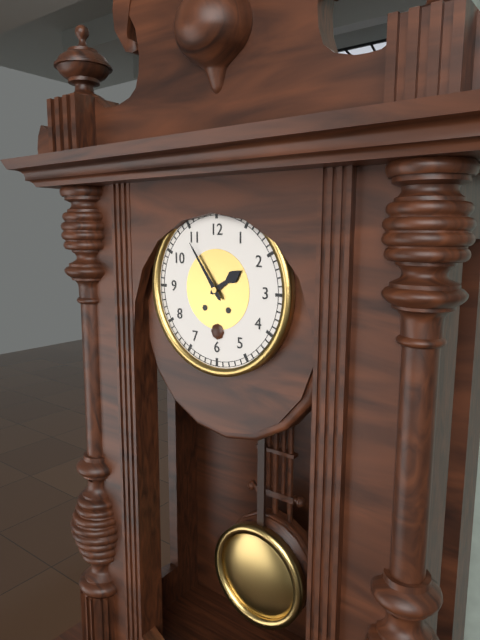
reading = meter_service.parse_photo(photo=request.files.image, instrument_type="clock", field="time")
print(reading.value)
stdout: 1:54
